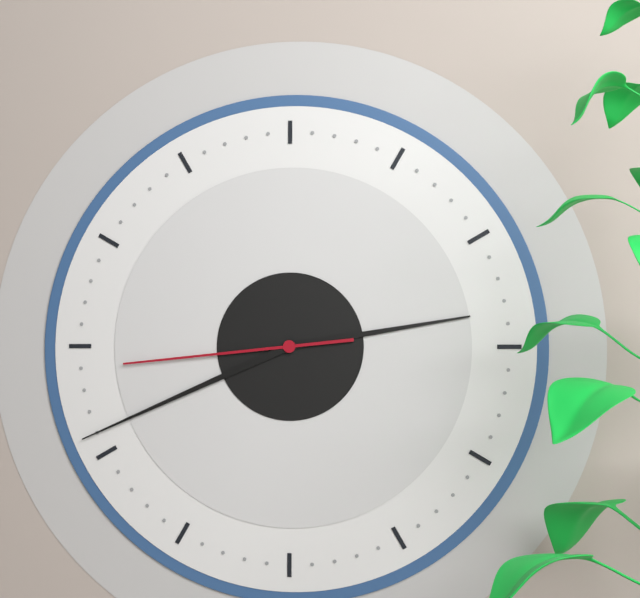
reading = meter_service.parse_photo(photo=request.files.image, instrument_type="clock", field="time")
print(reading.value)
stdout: 2:41:44
